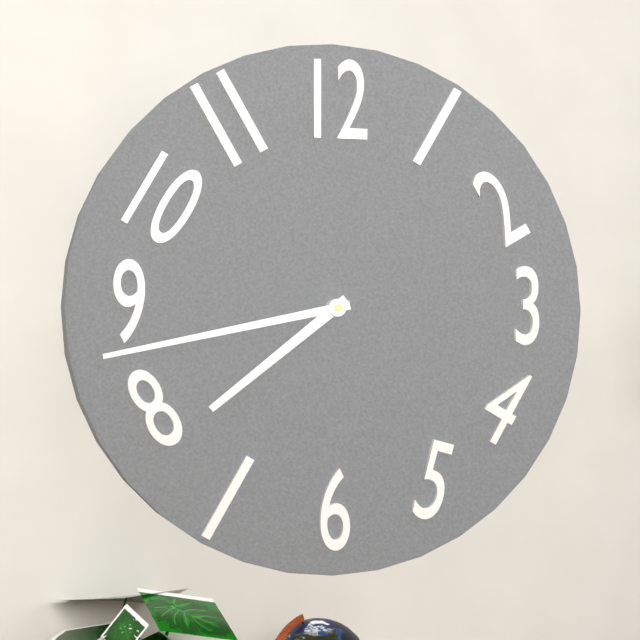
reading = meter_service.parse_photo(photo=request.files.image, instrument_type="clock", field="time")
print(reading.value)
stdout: 7:43
